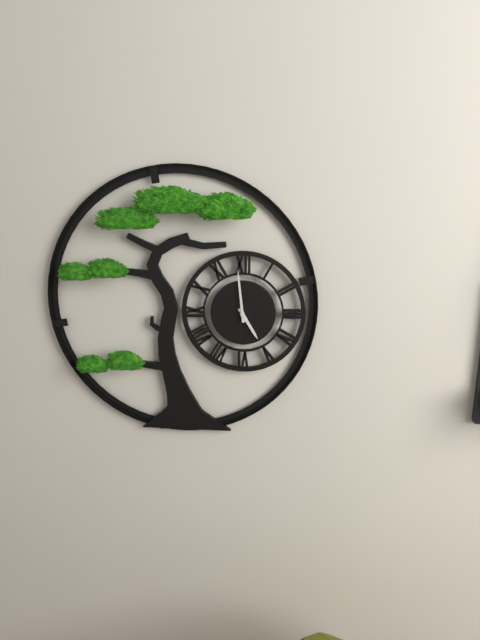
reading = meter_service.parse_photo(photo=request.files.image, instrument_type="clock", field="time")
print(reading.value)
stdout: 4:59
